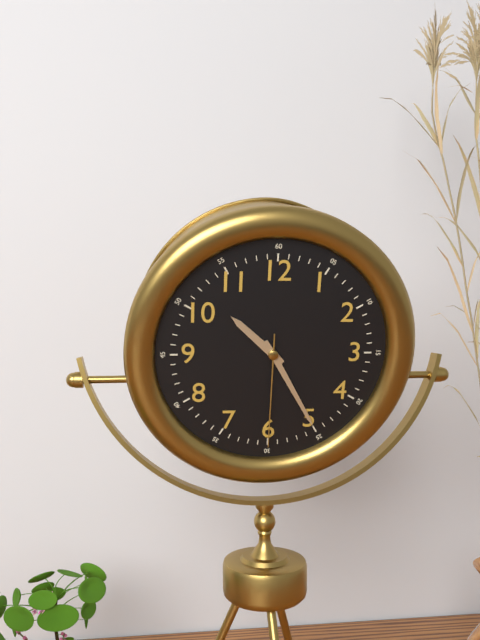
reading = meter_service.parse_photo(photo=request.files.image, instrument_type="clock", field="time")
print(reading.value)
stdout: 10:25:30
